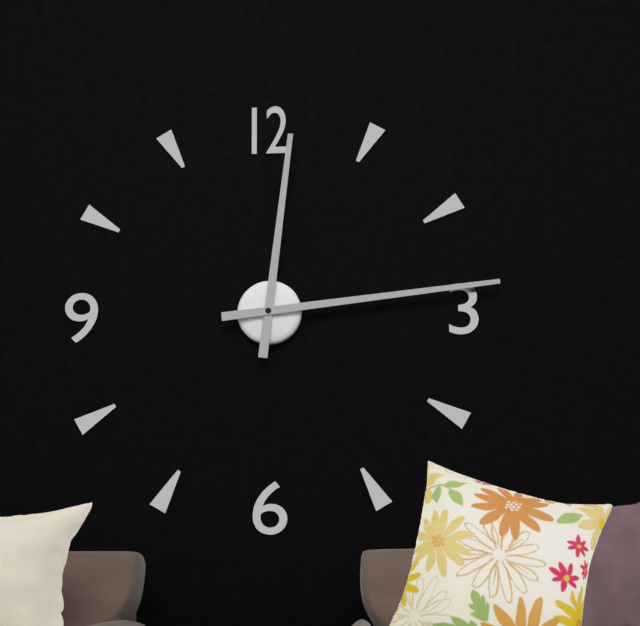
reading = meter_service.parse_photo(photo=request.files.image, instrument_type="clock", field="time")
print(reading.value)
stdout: 12:14
